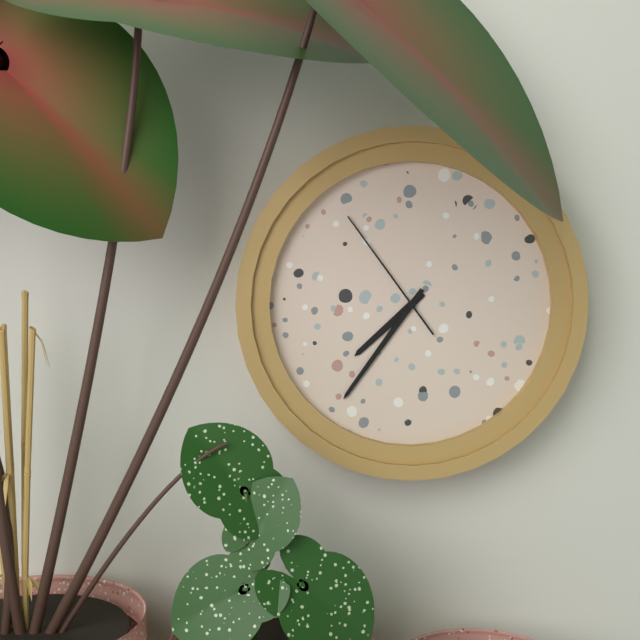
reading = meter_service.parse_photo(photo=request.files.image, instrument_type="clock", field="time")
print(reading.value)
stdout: 7:36:54
